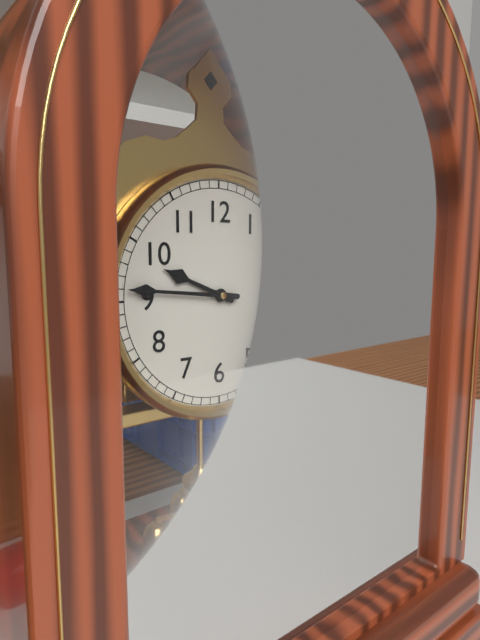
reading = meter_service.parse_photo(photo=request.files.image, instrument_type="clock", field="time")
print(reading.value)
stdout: 9:46
